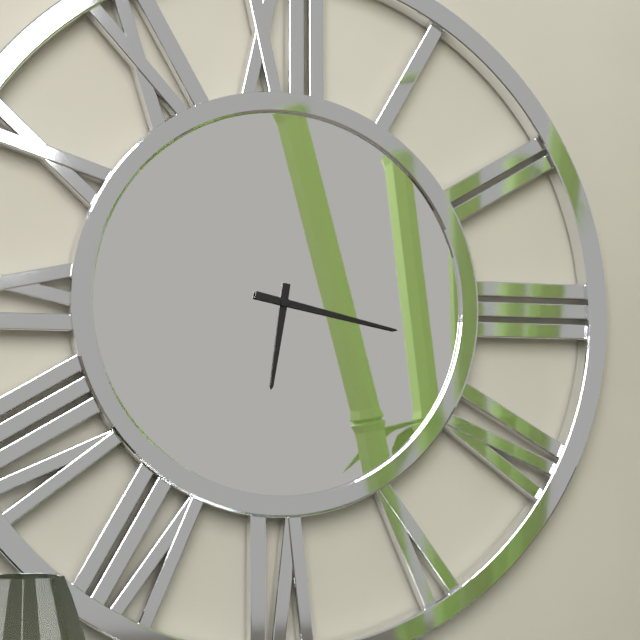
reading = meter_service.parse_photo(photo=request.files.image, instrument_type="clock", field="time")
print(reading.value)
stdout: 6:17
